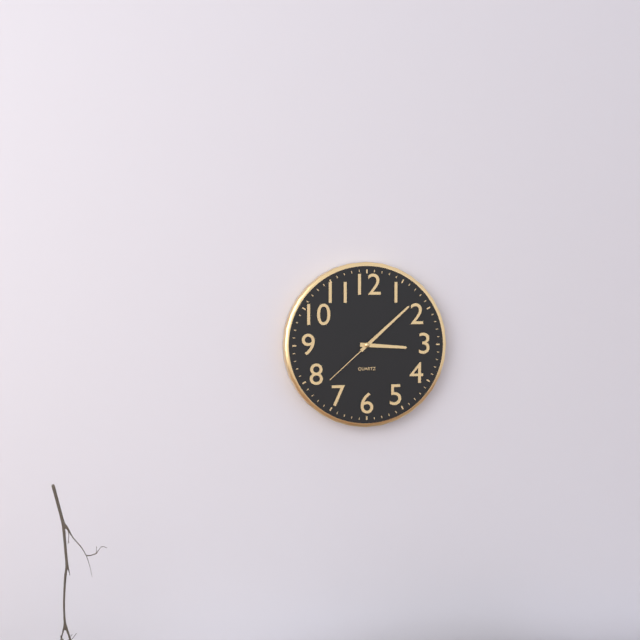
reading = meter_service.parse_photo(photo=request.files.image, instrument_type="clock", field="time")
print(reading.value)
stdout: 3:08:38
